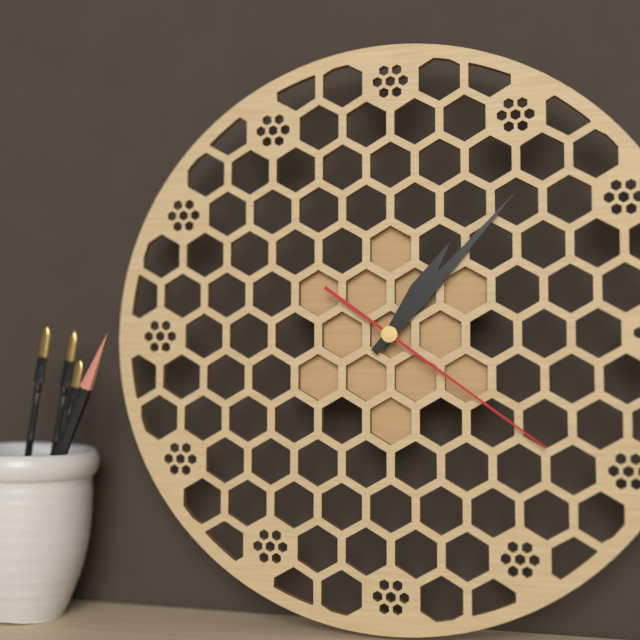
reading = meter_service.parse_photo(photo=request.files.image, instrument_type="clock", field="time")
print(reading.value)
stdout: 1:07:21
